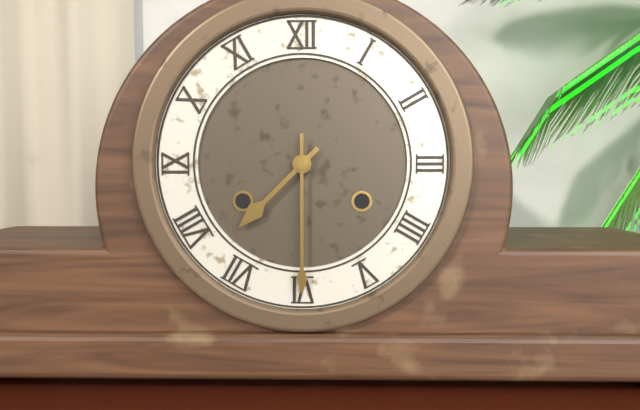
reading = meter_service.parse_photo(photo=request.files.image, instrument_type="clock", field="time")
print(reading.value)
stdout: 7:30
